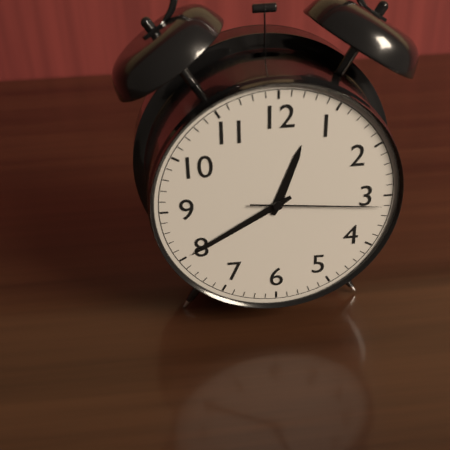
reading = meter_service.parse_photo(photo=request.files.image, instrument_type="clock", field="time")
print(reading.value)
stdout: 12:40:16
